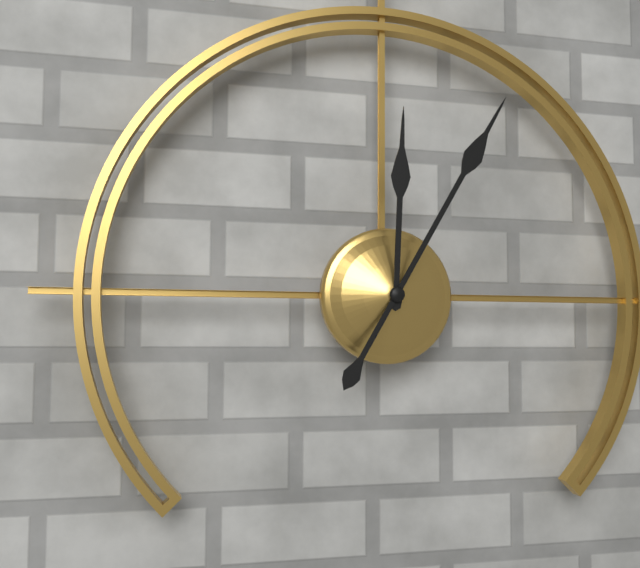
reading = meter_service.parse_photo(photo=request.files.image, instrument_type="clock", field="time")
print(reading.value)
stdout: 12:05
